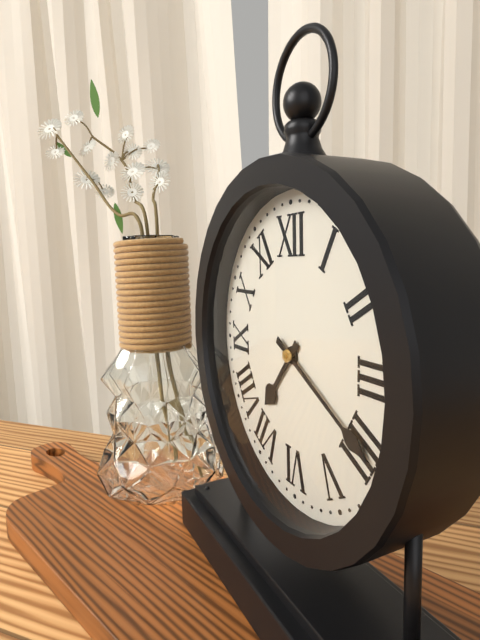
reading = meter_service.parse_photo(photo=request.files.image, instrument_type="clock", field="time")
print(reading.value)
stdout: 7:20
